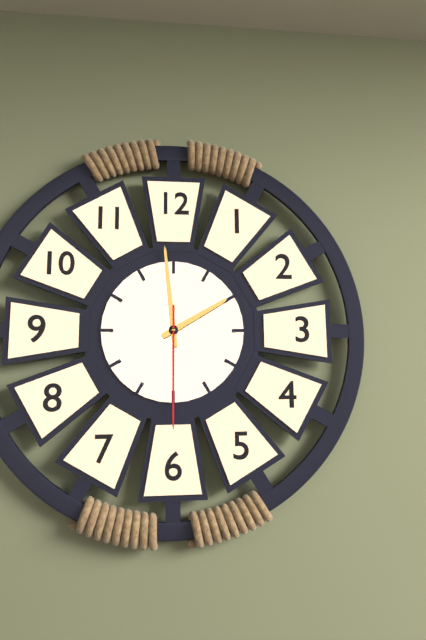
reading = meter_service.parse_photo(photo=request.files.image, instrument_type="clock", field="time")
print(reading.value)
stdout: 1:59:30
